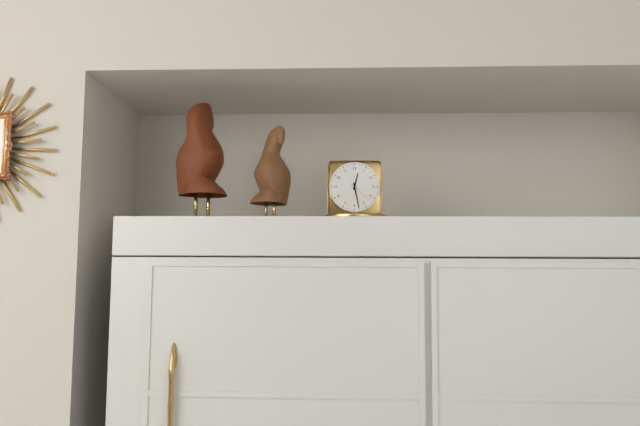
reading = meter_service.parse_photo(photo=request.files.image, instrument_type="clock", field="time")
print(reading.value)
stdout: 12:28
